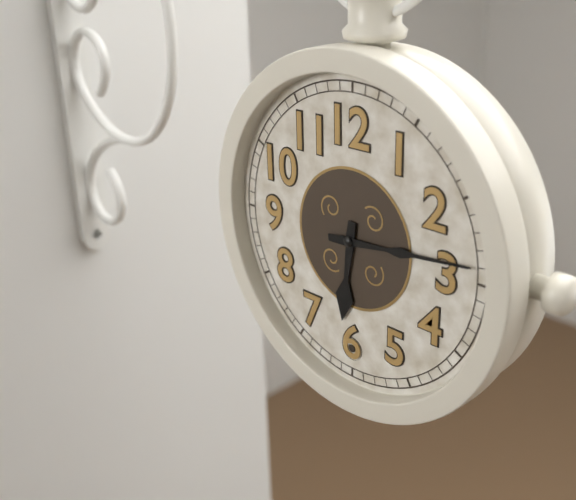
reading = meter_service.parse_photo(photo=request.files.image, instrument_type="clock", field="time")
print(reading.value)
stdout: 6:14
